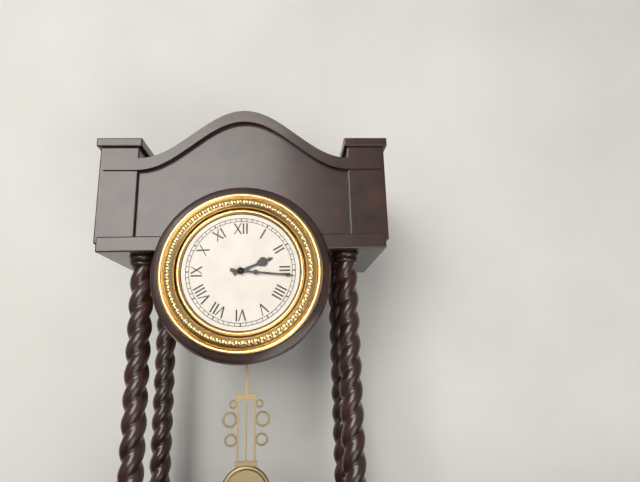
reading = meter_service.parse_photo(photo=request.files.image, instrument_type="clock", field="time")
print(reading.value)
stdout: 2:16
